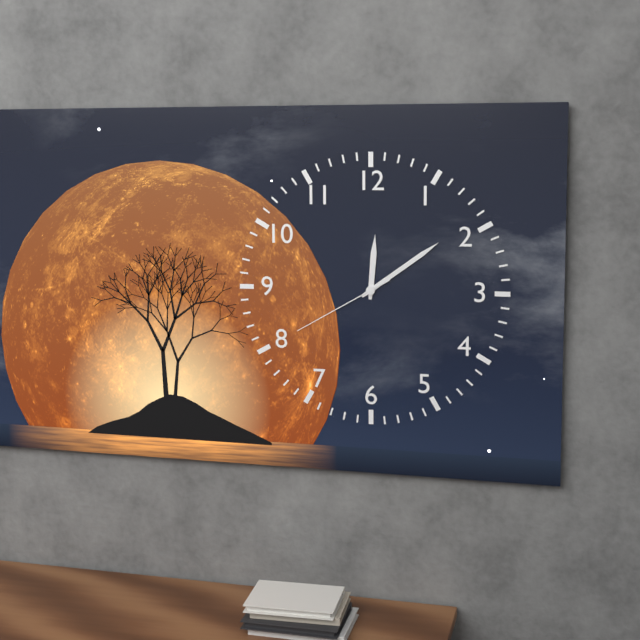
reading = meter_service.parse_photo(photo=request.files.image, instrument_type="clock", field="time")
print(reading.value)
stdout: 12:09:40
